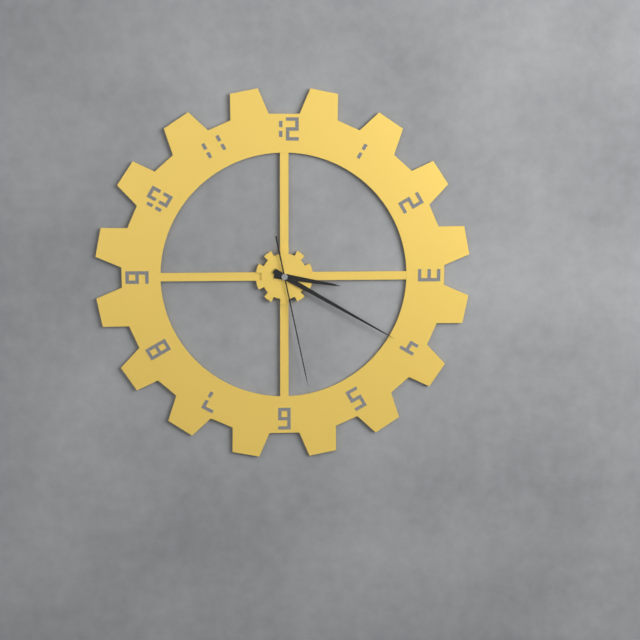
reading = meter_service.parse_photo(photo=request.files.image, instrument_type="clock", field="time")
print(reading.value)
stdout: 3:20:28
